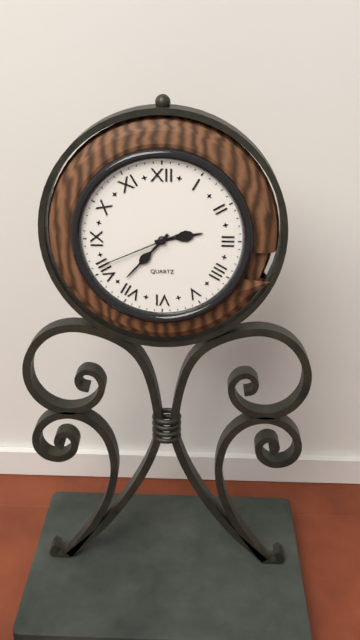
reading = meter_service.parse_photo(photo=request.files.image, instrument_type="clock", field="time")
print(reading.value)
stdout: 2:37:41
